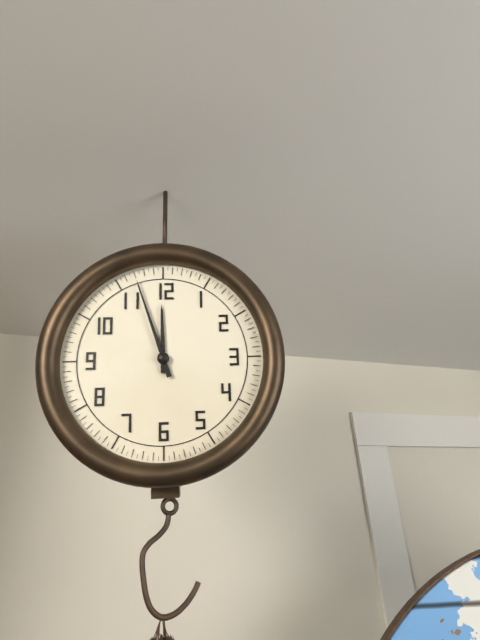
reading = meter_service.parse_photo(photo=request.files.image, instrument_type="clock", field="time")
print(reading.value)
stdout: 11:57
